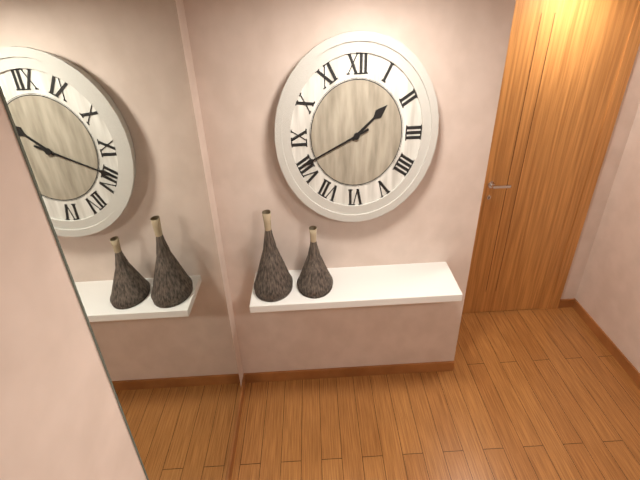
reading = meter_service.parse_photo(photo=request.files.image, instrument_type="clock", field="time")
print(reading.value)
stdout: 1:41
